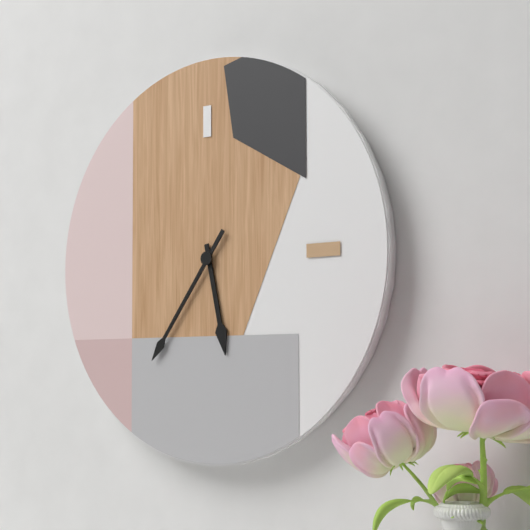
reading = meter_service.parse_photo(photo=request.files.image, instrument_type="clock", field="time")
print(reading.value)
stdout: 5:36
